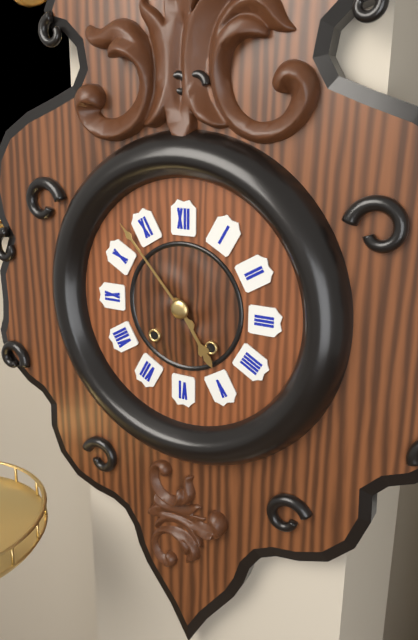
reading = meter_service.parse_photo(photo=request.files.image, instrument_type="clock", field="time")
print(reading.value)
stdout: 4:53
